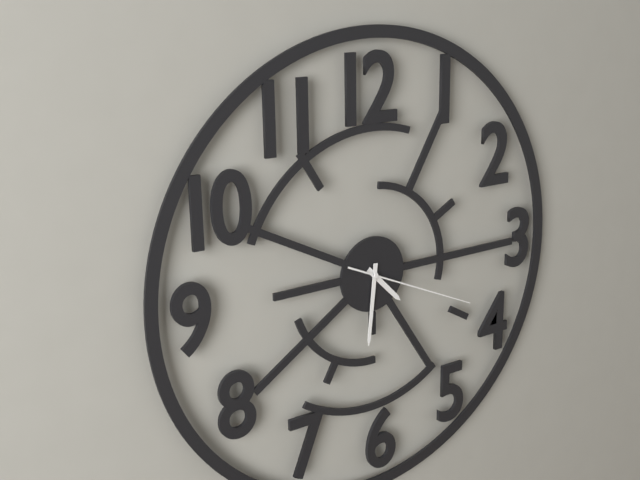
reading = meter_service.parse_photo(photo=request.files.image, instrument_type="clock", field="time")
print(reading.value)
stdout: 4:31:19
